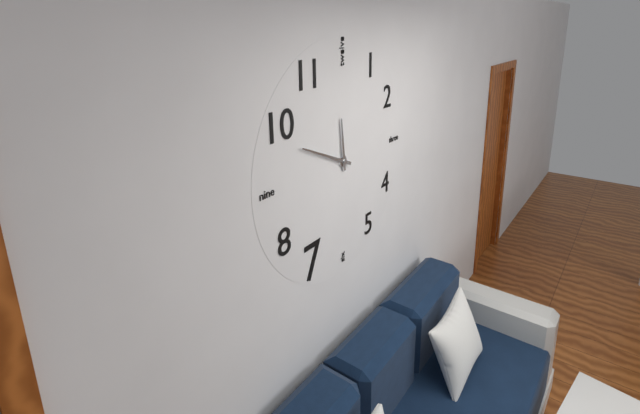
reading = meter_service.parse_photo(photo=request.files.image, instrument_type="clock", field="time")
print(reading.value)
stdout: 11:49
